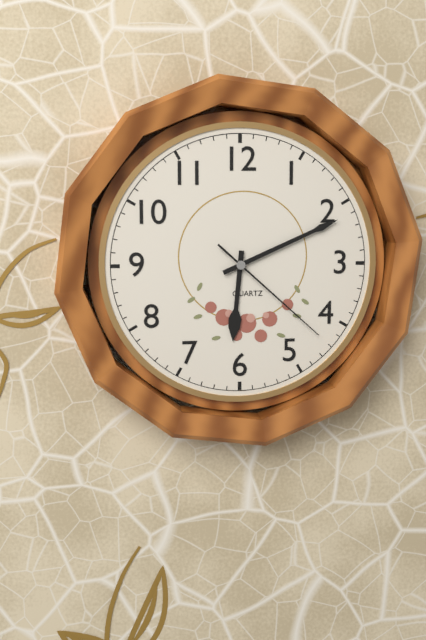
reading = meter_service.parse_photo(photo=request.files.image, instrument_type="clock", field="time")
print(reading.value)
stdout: 6:11:22
